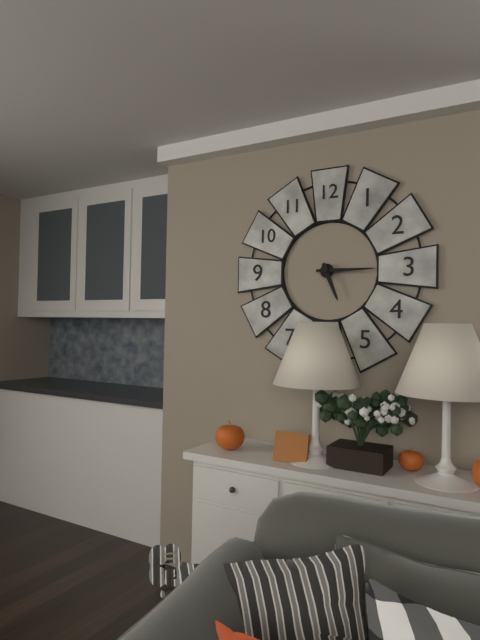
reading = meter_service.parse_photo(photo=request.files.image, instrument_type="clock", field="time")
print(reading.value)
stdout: 5:15
